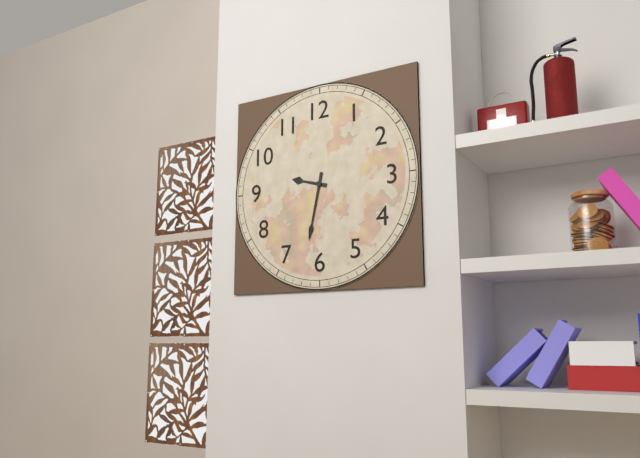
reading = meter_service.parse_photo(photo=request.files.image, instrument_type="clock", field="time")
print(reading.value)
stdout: 9:32
